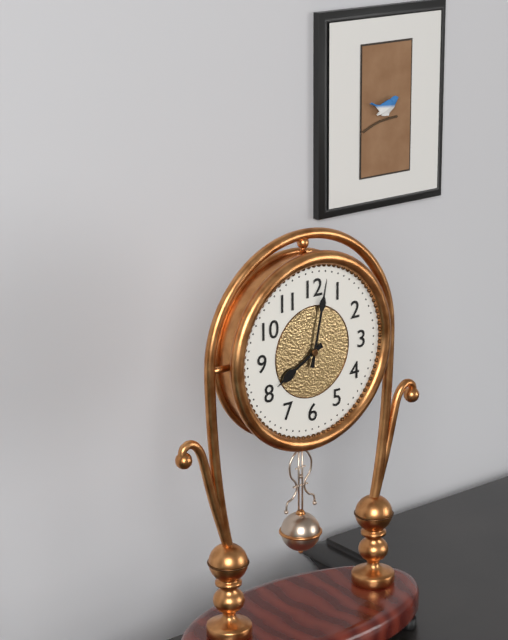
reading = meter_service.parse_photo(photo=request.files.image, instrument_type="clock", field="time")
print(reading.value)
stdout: 8:02
